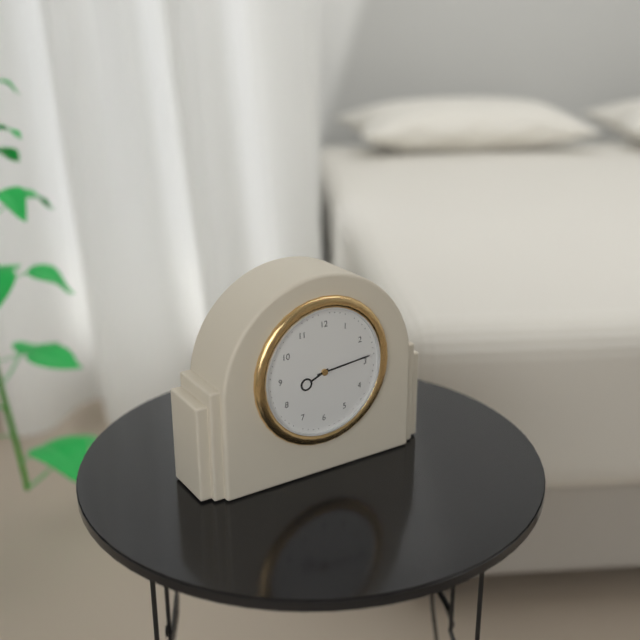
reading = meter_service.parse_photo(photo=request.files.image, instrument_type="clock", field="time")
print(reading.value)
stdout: 8:14
